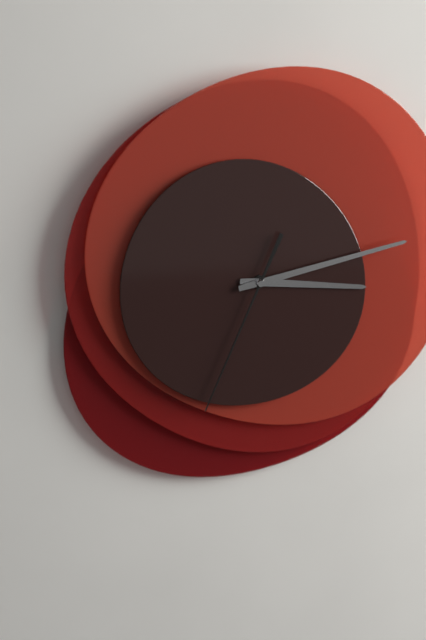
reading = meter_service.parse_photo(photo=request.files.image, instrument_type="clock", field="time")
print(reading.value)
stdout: 3:13:34
